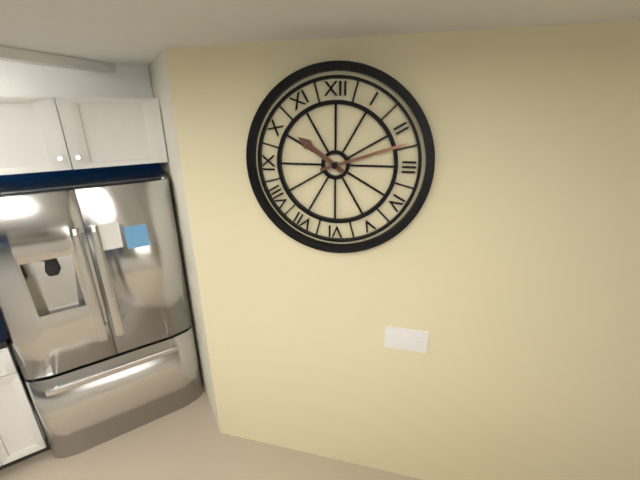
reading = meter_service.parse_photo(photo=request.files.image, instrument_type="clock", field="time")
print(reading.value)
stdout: 10:12
